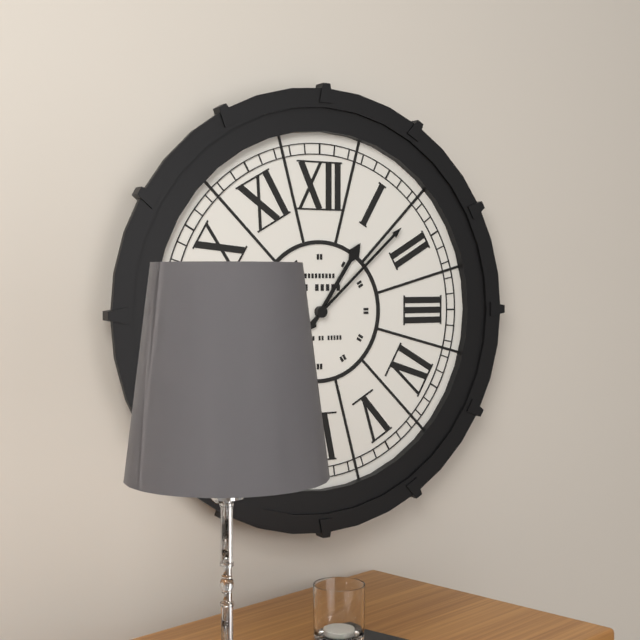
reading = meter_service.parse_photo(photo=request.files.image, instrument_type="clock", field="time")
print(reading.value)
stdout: 1:08
